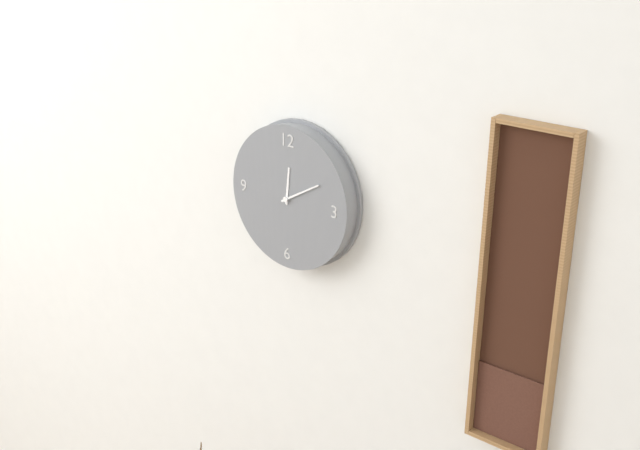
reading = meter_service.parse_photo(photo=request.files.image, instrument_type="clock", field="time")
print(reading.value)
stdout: 12:10
